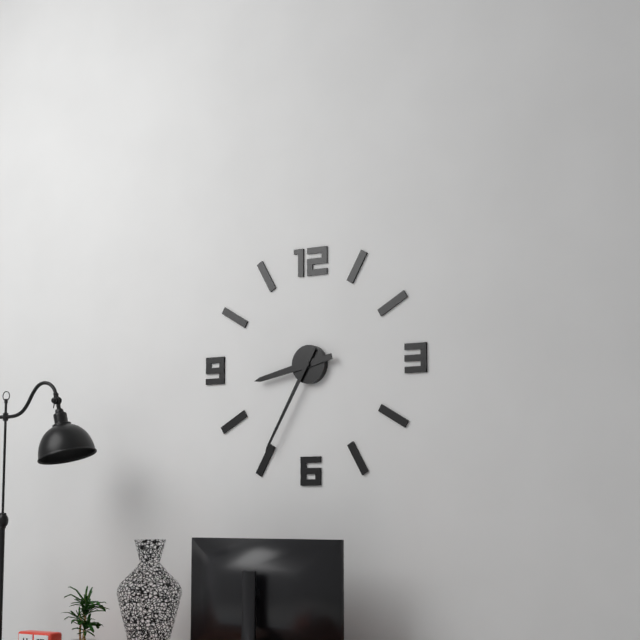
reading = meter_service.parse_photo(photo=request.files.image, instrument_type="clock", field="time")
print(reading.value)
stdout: 8:35
